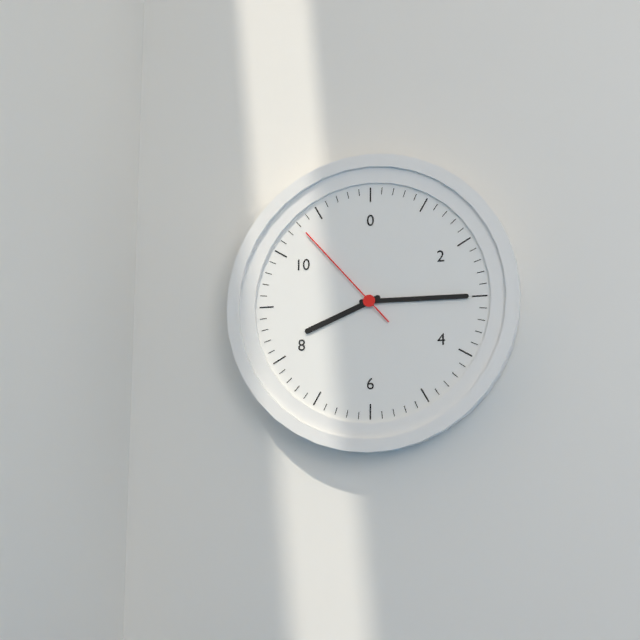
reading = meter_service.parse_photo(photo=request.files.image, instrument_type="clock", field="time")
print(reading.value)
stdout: 8:15:53
